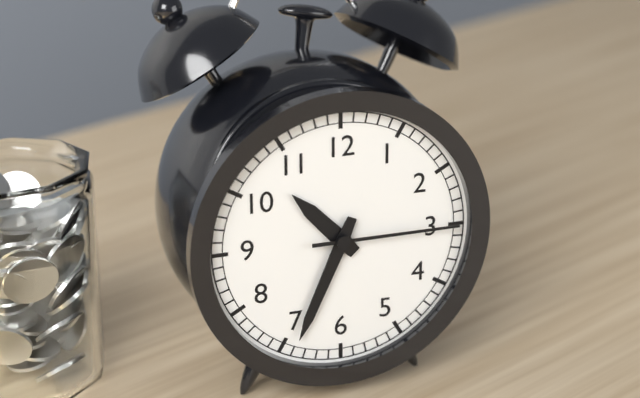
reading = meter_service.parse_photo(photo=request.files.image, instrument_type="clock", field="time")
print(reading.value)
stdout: 10:34:15
